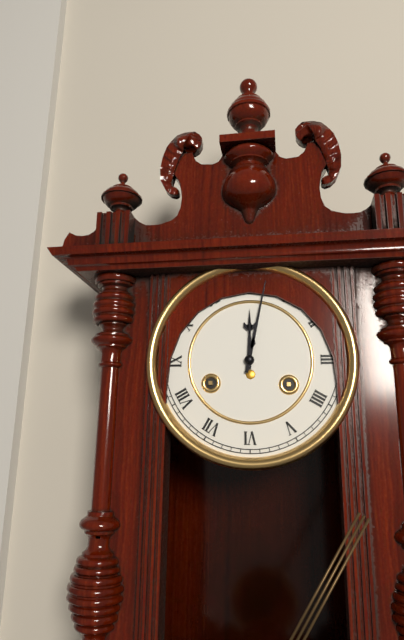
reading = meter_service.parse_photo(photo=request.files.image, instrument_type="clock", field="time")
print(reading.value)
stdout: 12:02
